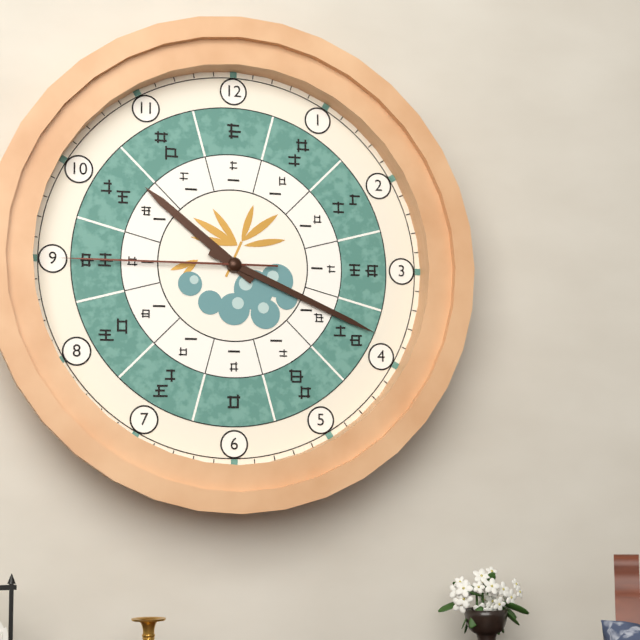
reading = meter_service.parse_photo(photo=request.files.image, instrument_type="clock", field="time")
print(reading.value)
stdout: 10:19:45
